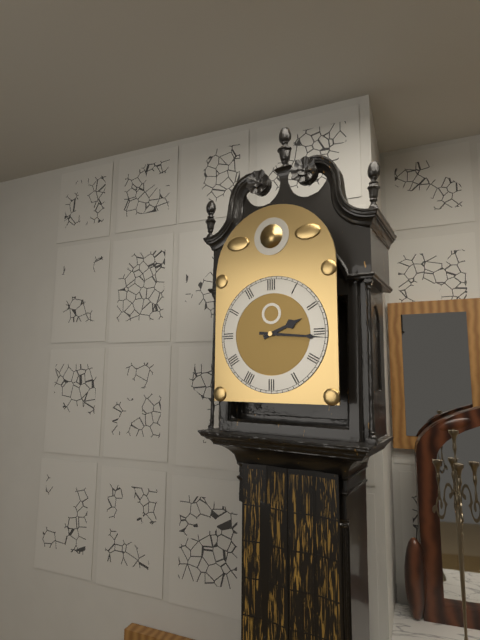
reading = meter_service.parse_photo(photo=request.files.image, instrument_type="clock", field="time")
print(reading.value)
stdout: 2:16
